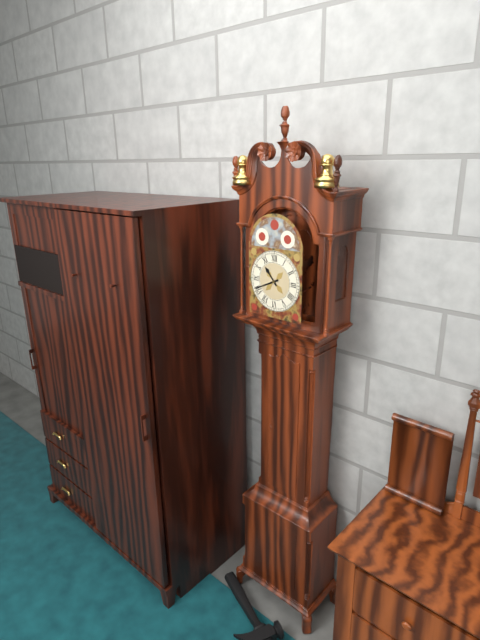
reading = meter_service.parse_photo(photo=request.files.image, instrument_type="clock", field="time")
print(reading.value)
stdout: 10:41
